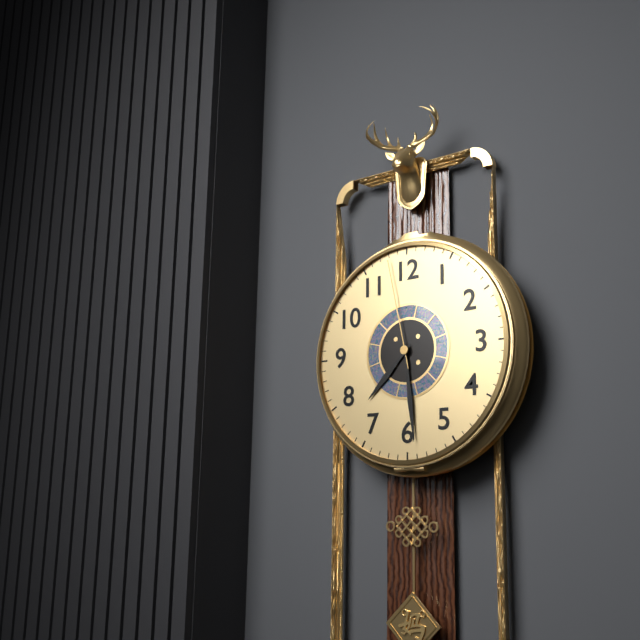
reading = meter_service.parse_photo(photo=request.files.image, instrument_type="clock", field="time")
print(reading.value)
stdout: 7:29:58
